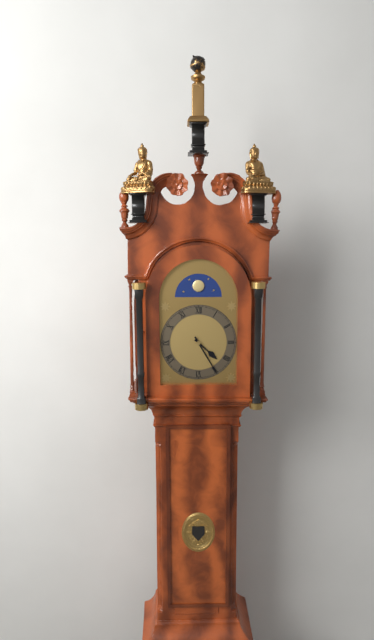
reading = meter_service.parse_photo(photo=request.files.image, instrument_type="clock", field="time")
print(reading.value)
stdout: 4:25
